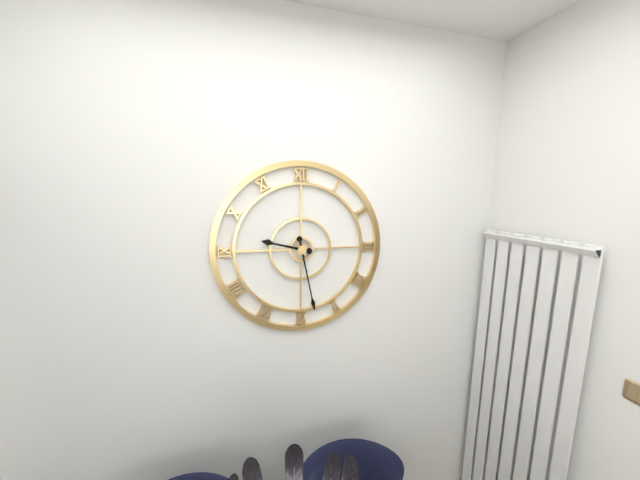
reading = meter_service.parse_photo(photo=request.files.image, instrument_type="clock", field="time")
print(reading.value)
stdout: 9:28
